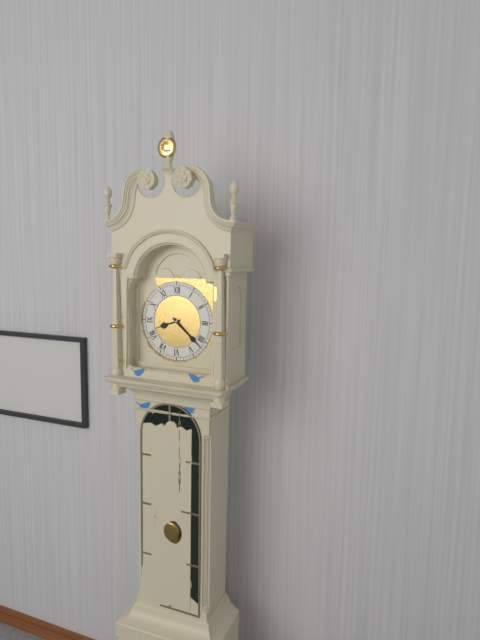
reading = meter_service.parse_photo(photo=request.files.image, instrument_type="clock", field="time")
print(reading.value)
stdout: 8:22
